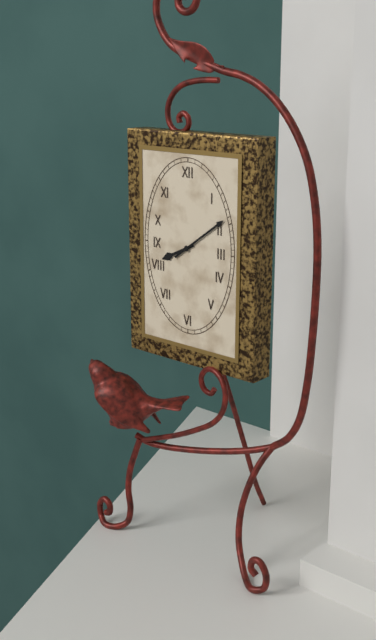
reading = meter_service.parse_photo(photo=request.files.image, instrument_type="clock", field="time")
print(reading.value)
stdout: 8:09
